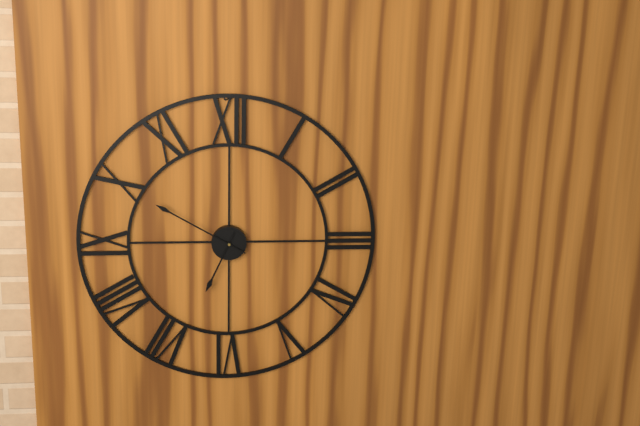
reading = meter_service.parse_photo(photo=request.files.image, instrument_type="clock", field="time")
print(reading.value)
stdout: 6:50
